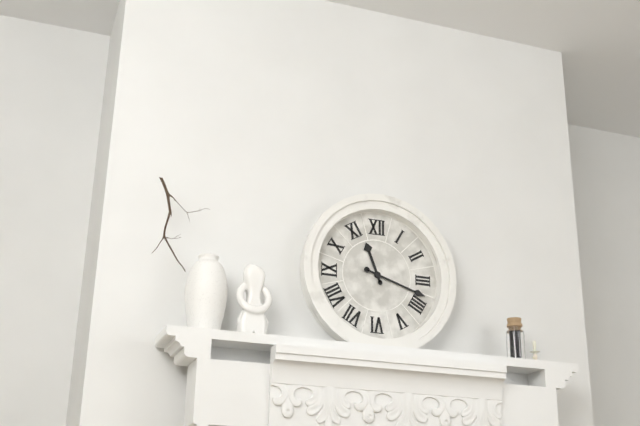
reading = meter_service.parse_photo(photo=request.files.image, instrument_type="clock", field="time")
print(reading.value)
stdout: 11:18
